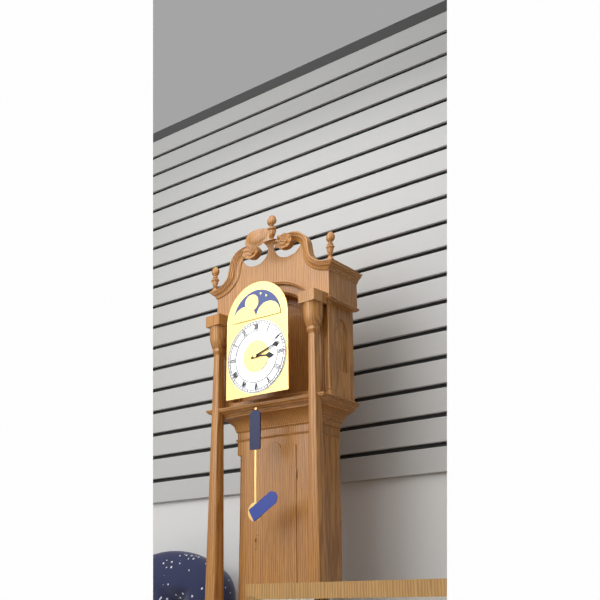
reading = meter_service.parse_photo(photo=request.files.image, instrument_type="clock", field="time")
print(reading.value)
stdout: 3:12
